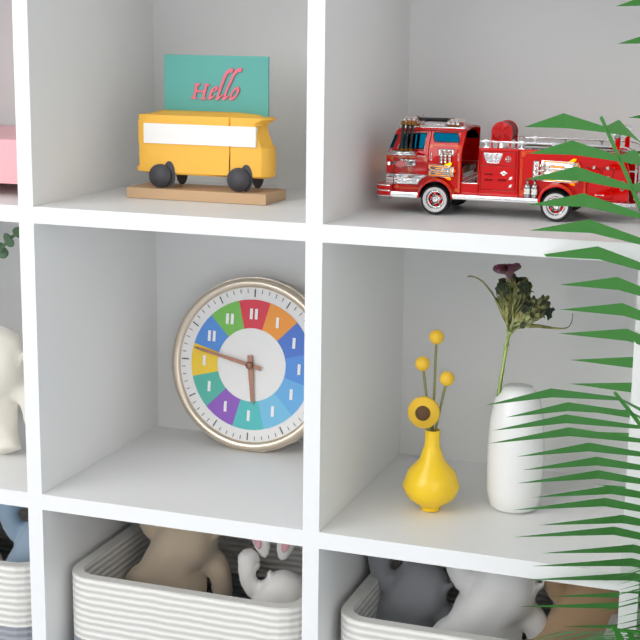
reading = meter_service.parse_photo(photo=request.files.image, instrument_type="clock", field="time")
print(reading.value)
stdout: 5:47
